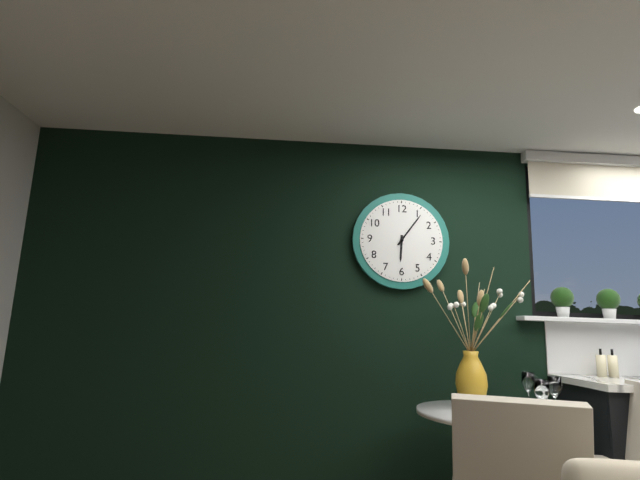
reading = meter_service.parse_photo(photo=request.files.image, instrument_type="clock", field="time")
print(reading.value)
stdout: 6:06
